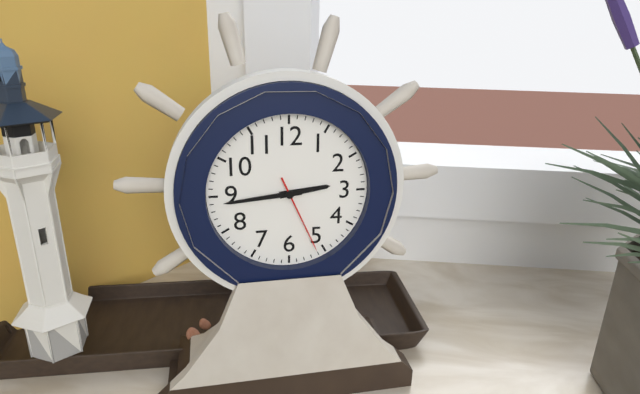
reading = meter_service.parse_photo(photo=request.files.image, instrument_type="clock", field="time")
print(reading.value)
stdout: 2:44:26
